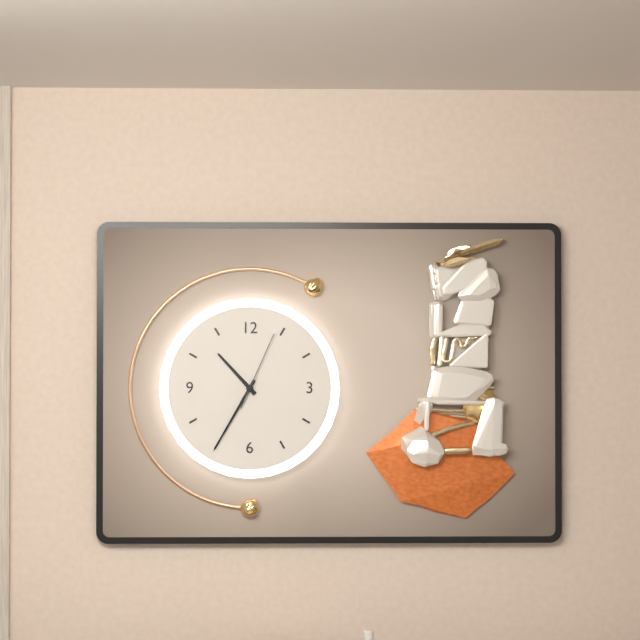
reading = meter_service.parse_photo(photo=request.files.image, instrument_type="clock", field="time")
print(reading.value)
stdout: 10:35:04
